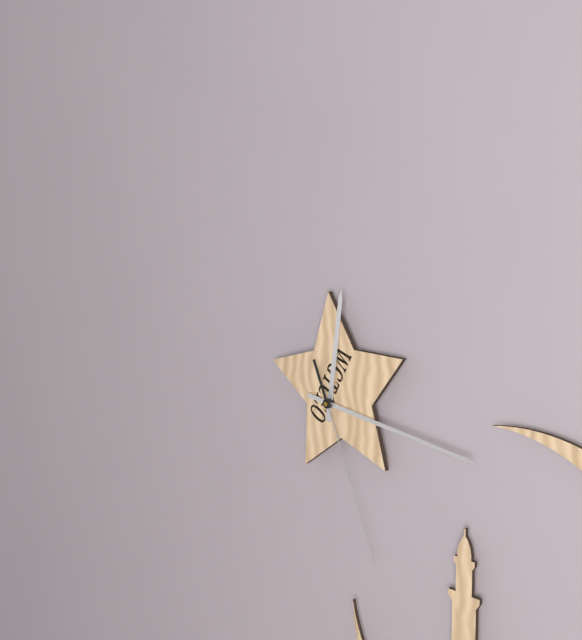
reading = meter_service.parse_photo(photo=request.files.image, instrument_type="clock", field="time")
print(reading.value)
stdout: 12:16:26
